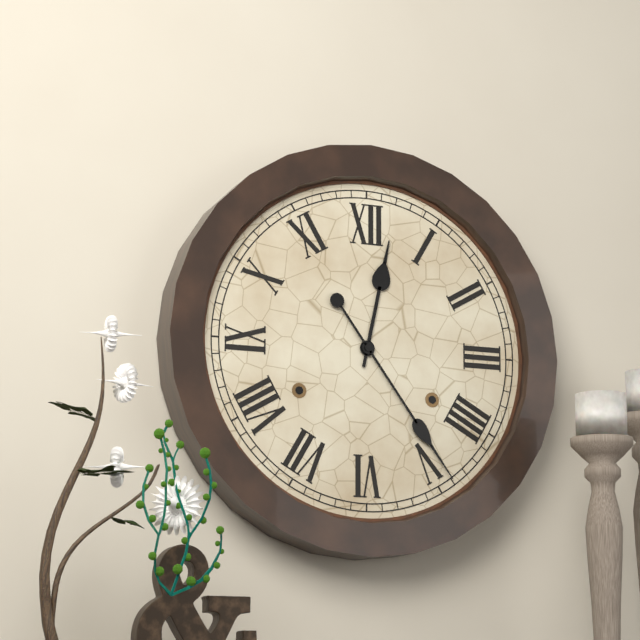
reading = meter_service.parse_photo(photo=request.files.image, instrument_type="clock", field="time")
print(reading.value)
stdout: 12:24
